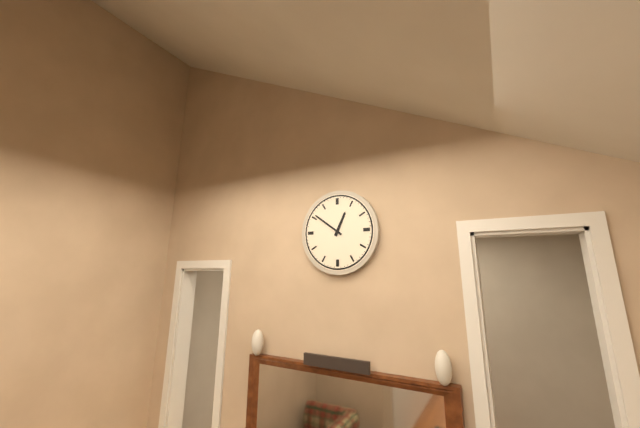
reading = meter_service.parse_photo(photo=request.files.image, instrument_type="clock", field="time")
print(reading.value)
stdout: 12:51
